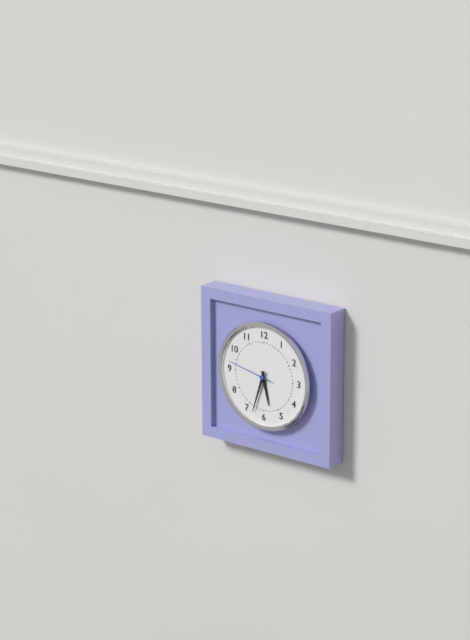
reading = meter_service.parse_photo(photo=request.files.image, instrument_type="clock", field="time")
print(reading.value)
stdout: 5:33
